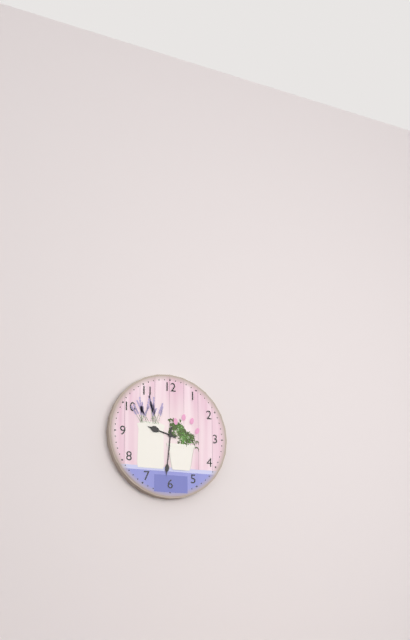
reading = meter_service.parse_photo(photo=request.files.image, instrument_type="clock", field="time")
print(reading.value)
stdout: 9:31
